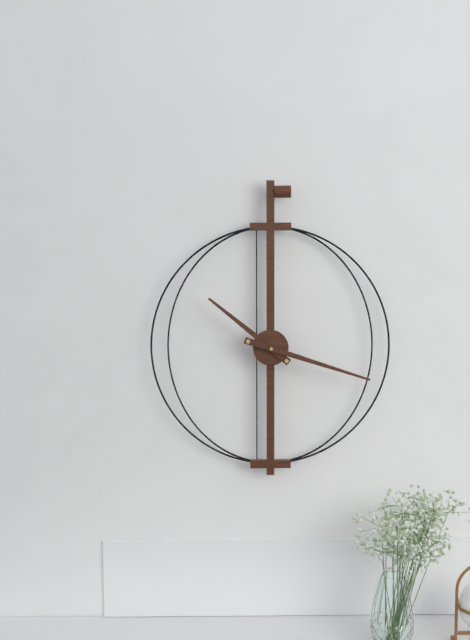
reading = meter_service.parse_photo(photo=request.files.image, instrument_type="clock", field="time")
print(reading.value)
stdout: 10:18
